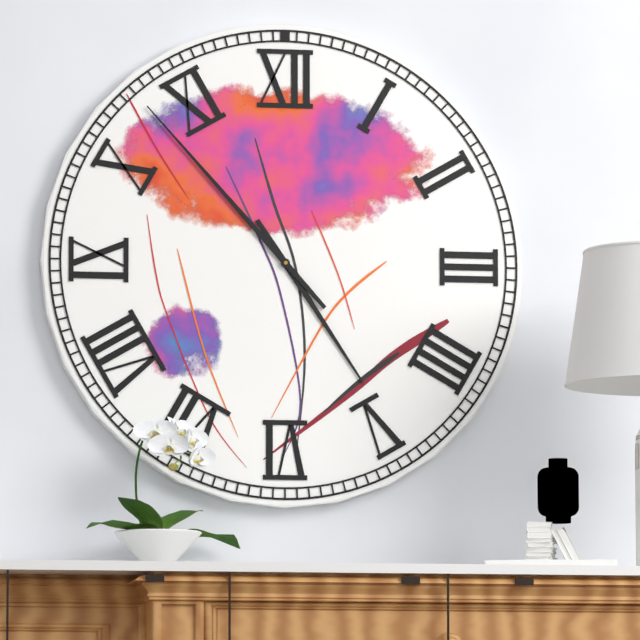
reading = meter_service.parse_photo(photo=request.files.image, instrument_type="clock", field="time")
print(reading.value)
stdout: 4:53
